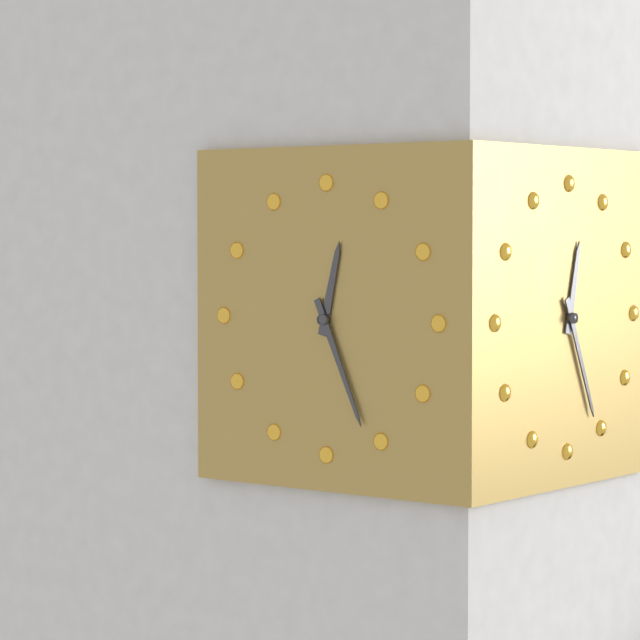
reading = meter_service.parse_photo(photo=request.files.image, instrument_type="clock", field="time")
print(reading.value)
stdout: 12:26
